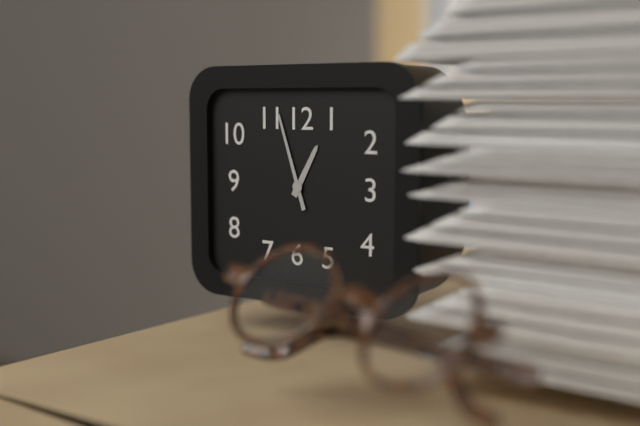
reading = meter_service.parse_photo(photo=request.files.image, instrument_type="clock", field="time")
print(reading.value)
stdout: 12:57
